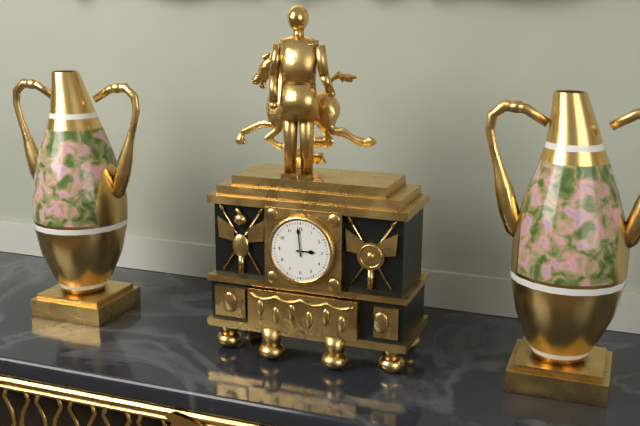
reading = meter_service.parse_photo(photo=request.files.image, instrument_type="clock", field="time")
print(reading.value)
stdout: 2:59
